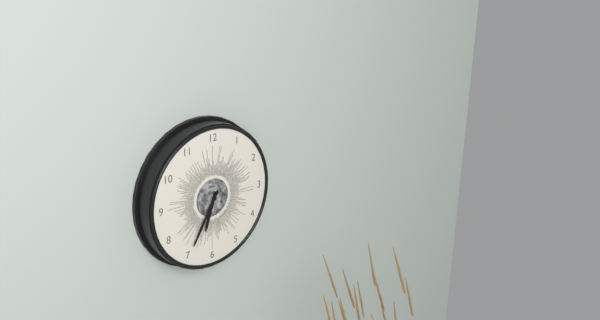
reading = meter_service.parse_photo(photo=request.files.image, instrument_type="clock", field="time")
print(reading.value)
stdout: 6:35
